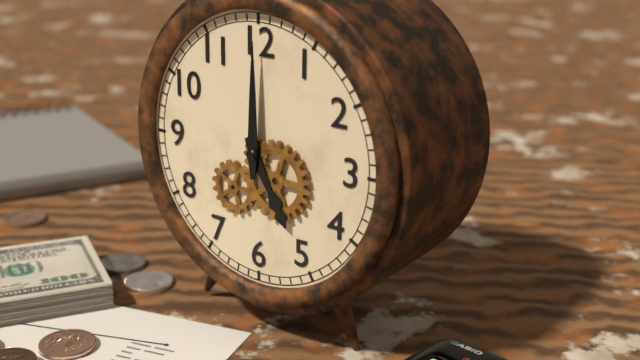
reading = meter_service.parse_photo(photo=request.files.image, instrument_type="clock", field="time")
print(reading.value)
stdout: 5:00
